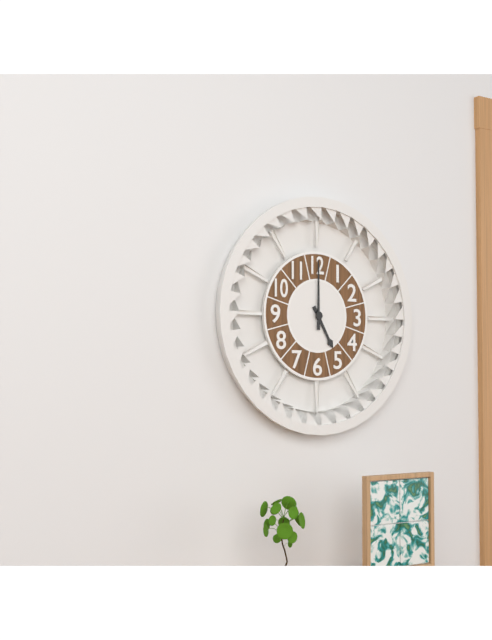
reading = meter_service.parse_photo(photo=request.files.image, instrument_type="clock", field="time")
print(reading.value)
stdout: 5:00
